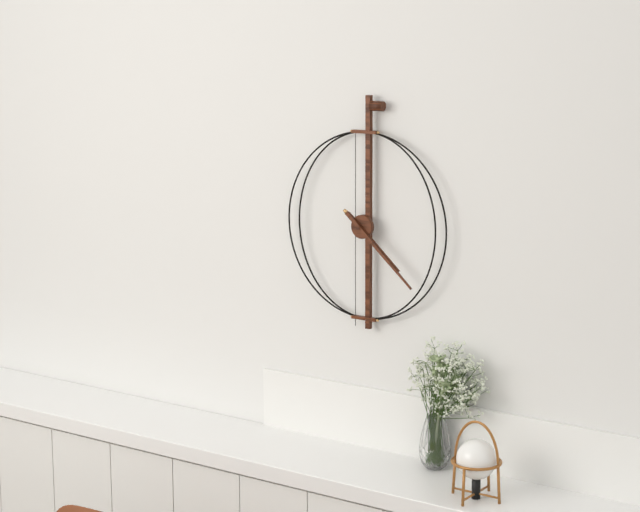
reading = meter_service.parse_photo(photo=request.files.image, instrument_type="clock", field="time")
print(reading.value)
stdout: 4:22
